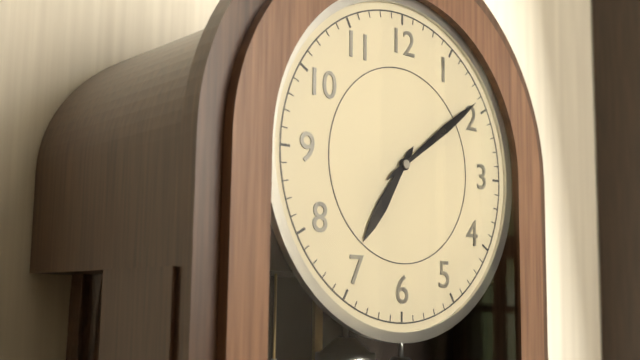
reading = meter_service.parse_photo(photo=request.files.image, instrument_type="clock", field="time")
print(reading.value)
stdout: 7:09
